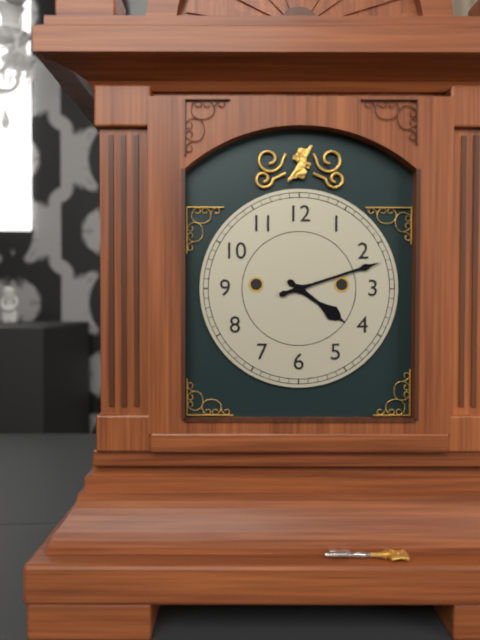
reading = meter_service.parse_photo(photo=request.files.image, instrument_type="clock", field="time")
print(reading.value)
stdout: 4:12
